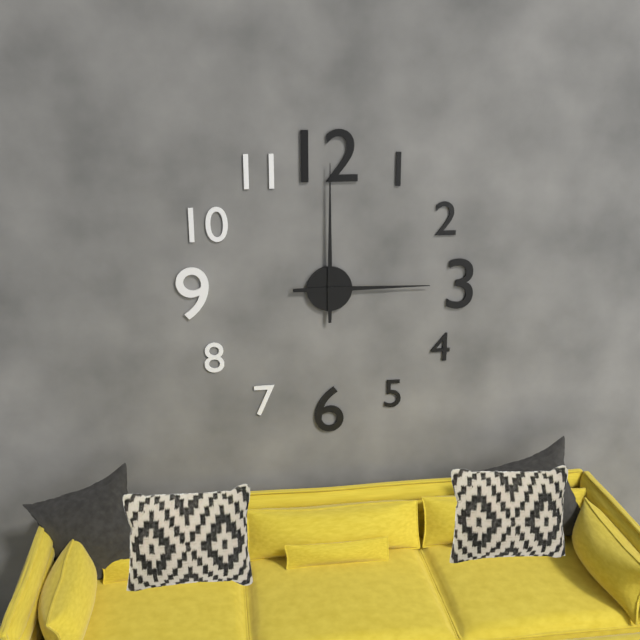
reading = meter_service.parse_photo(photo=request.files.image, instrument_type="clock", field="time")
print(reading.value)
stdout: 3:00
